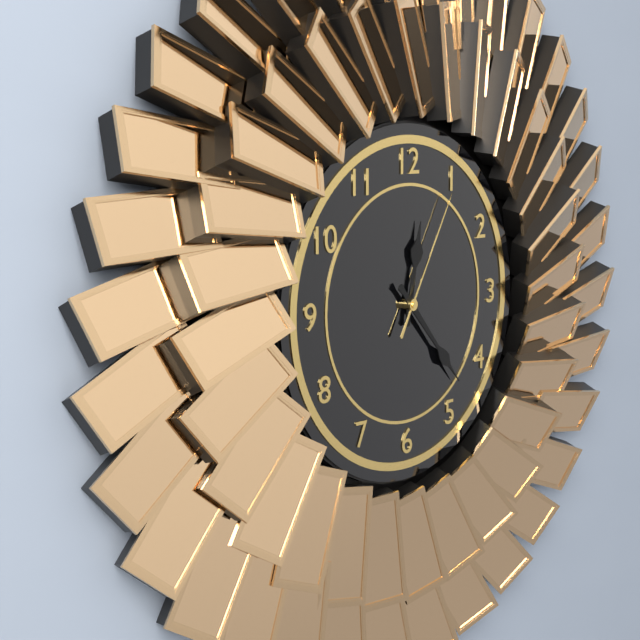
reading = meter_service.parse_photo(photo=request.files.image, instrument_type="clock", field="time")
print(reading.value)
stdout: 12:23:05
